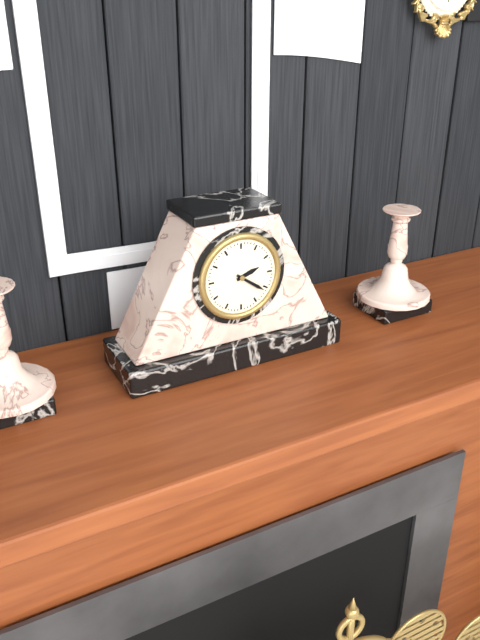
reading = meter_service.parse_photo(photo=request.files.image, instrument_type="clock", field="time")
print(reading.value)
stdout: 2:21
